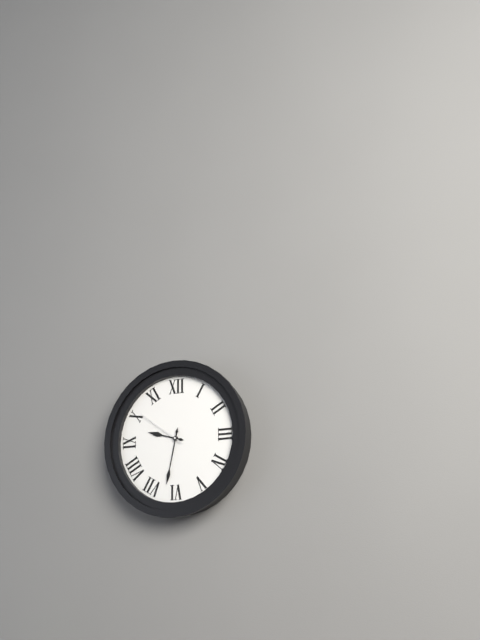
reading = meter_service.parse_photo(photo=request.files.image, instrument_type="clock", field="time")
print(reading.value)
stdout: 9:32:51
